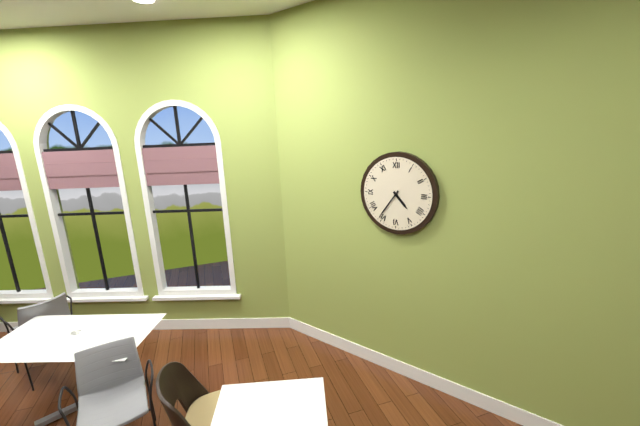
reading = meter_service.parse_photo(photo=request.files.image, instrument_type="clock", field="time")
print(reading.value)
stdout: 4:36
